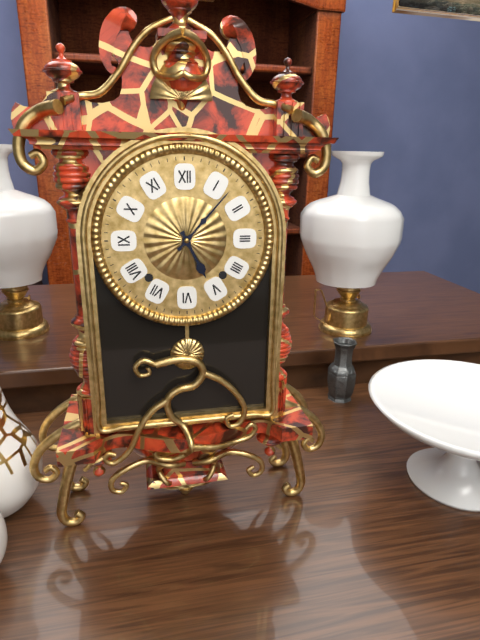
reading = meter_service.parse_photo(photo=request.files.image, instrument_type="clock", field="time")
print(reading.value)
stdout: 5:07
